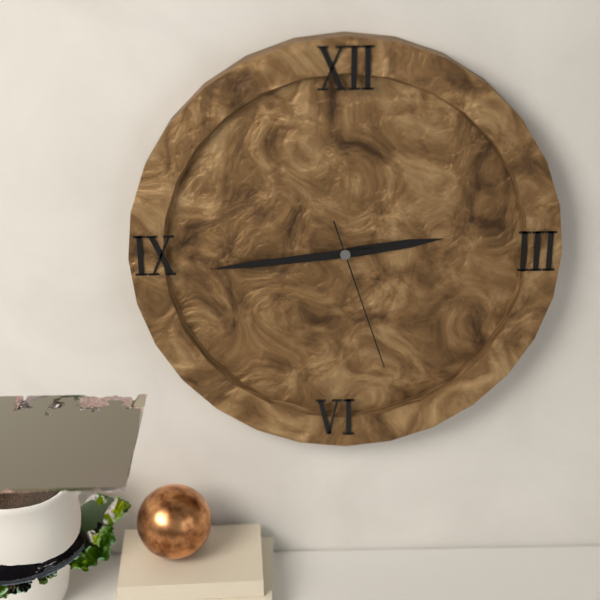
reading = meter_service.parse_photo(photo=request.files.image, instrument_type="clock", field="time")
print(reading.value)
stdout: 2:44:27
